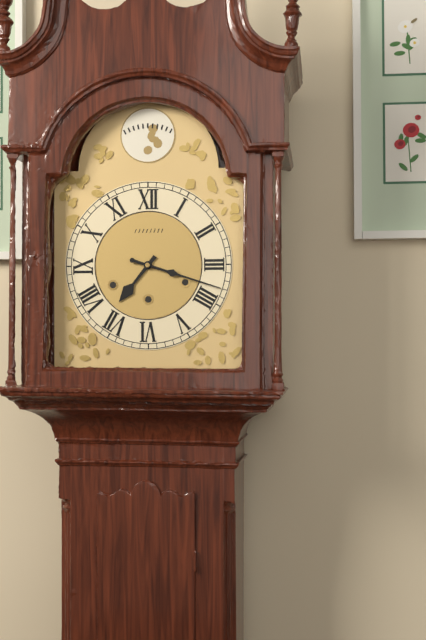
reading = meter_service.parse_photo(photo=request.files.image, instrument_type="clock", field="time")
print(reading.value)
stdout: 7:18
